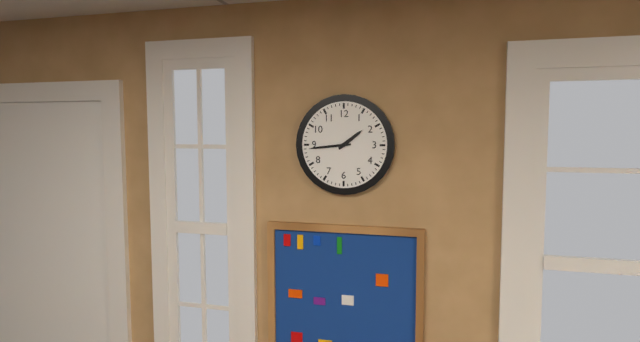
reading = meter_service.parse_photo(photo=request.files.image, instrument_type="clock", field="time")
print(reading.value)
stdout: 1:44
